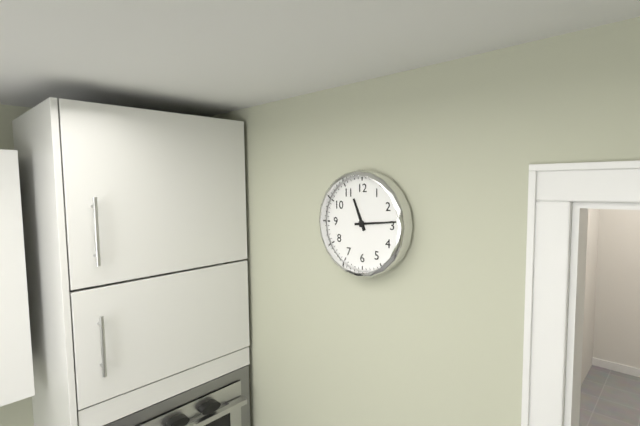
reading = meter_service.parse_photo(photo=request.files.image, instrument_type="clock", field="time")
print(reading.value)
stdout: 11:14
